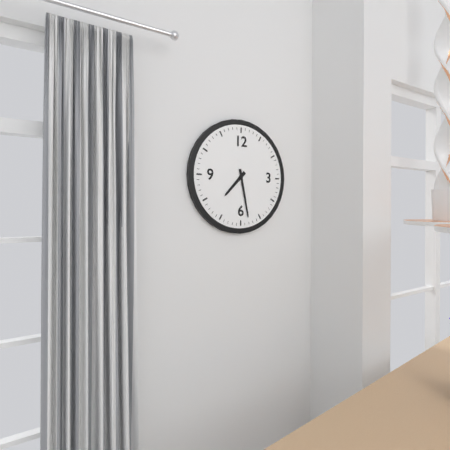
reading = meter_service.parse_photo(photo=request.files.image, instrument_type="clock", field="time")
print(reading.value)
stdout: 7:28
